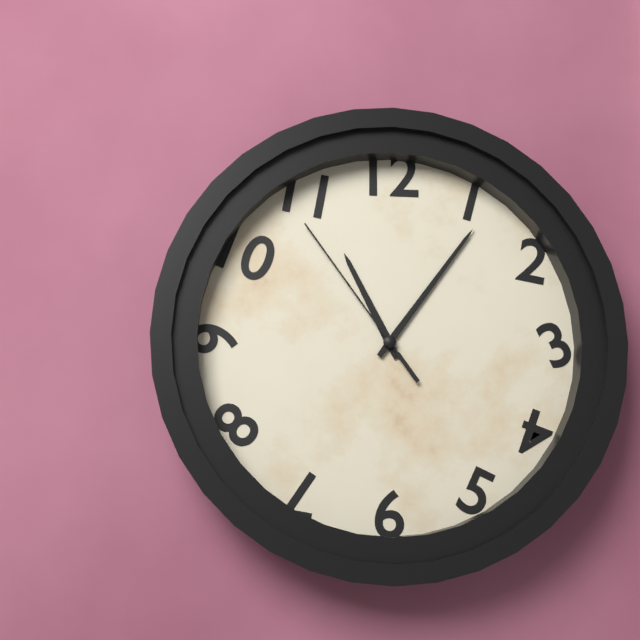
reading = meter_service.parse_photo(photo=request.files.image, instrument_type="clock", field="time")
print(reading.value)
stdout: 11:06:54
